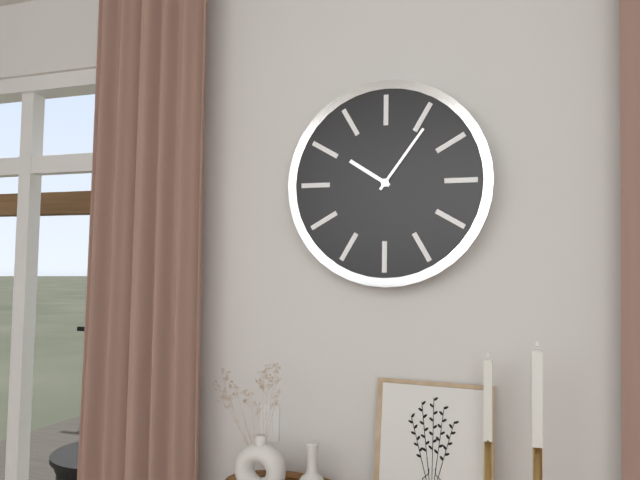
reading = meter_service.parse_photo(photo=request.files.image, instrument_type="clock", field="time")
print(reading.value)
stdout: 10:06
